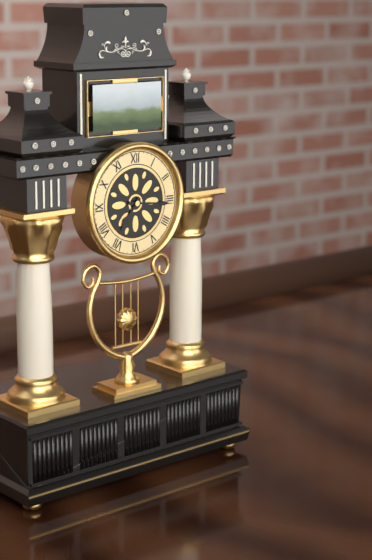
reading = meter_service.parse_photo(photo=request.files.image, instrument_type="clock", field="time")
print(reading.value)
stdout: 7:16
